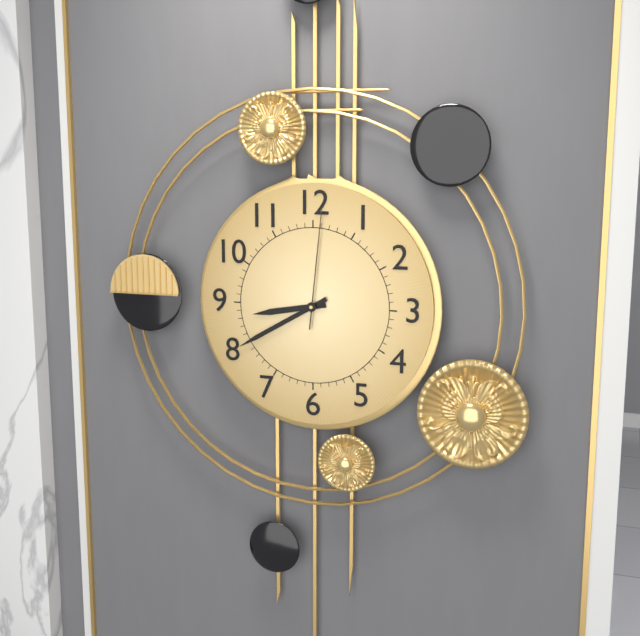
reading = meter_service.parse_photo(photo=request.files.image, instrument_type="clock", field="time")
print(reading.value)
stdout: 8:40:01
